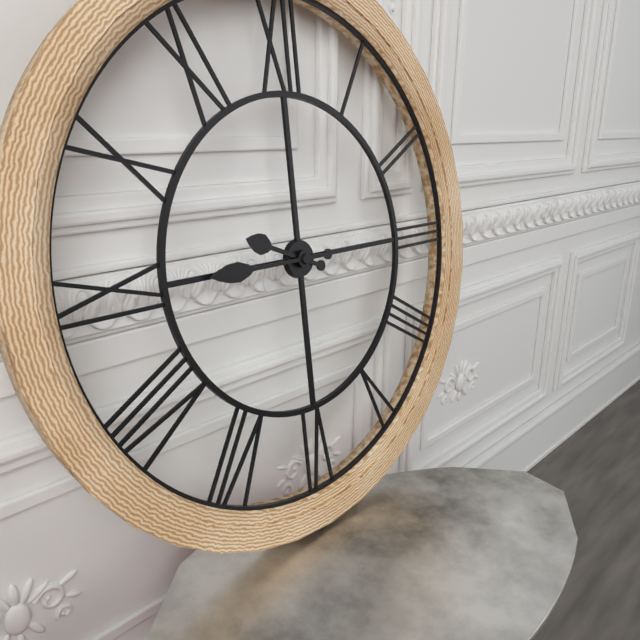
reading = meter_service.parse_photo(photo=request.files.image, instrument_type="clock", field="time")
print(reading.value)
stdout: 9:45
